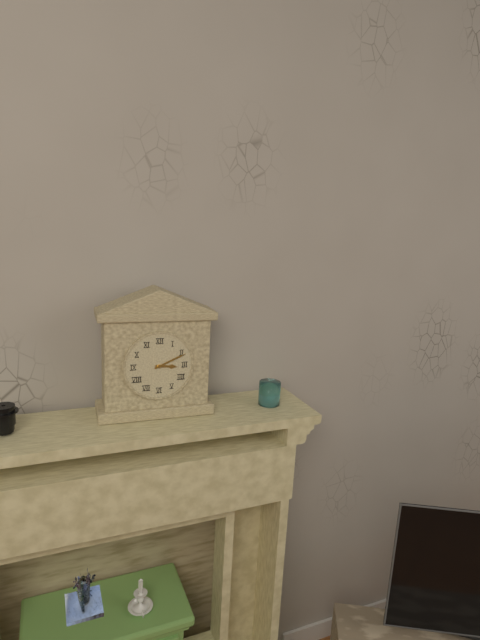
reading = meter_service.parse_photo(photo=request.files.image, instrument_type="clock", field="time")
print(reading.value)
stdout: 3:11
